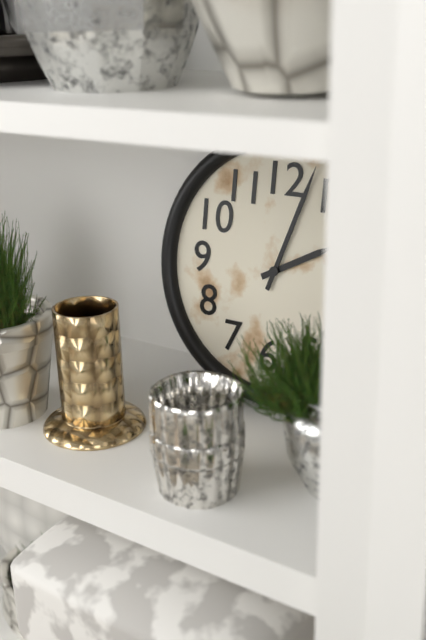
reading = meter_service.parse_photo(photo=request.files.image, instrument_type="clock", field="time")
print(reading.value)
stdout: 2:03
